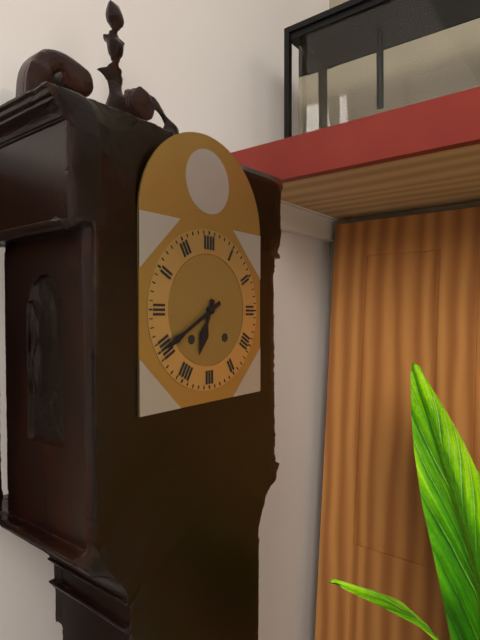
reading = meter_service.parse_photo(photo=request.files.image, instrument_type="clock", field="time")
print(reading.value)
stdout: 6:40
